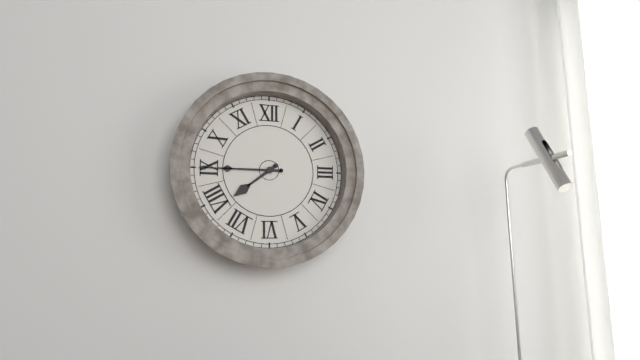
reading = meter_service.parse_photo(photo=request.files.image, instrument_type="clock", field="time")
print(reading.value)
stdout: 7:45
